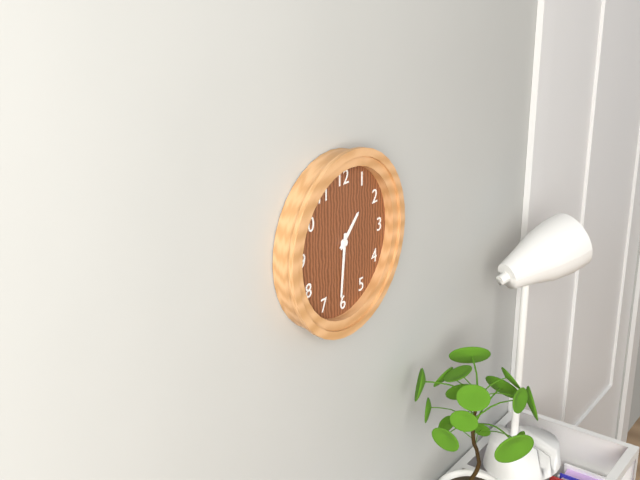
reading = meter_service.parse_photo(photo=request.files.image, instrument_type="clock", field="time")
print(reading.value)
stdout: 1:31
